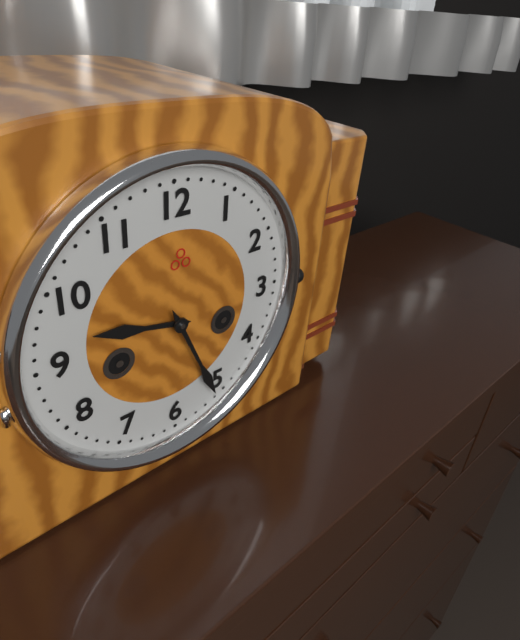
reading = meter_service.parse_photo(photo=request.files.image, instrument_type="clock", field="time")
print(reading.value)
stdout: 9:26
